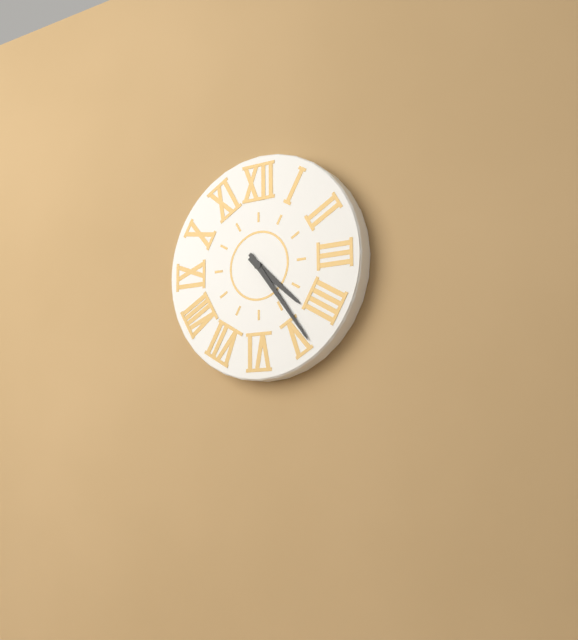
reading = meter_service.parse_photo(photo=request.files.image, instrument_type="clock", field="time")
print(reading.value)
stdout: 4:24
